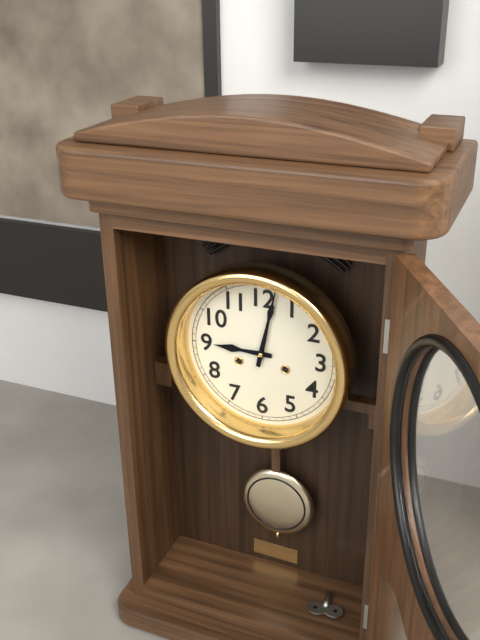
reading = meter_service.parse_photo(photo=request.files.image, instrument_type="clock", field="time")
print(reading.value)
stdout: 9:02
